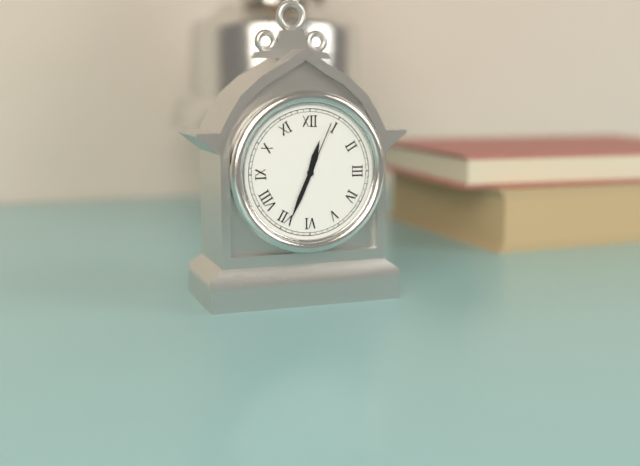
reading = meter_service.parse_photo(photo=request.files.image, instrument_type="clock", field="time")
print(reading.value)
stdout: 12:34:04
